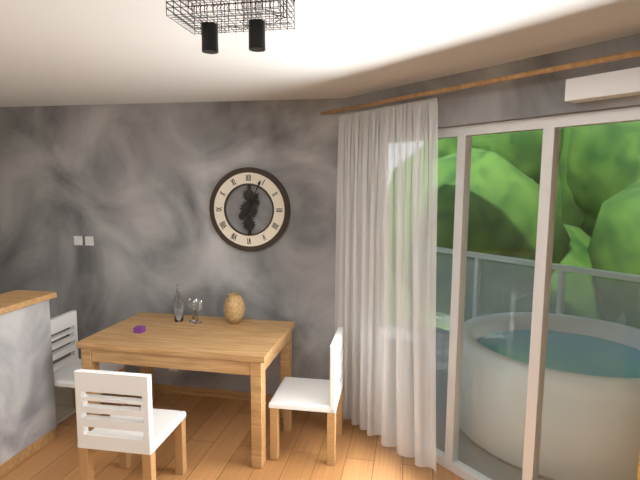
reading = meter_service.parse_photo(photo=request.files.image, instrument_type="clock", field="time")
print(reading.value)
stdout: 1:04
